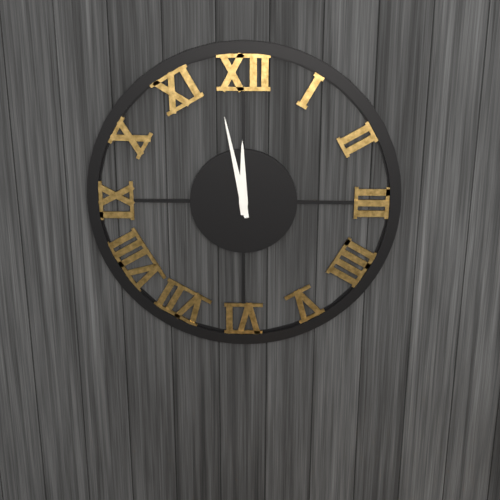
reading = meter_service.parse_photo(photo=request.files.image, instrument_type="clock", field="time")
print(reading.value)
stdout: 11:58
